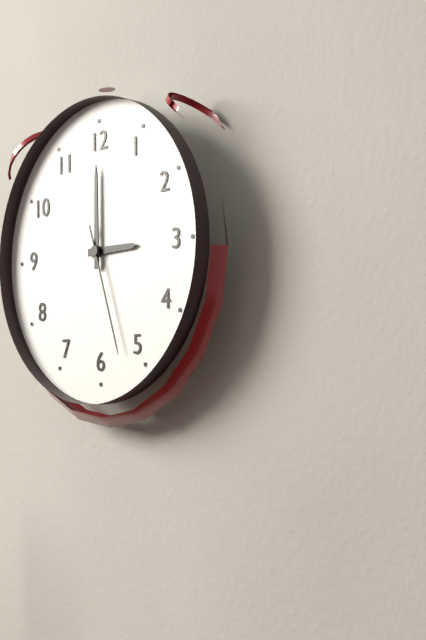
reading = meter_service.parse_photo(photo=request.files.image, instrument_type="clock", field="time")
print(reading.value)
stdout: 3:00:27
